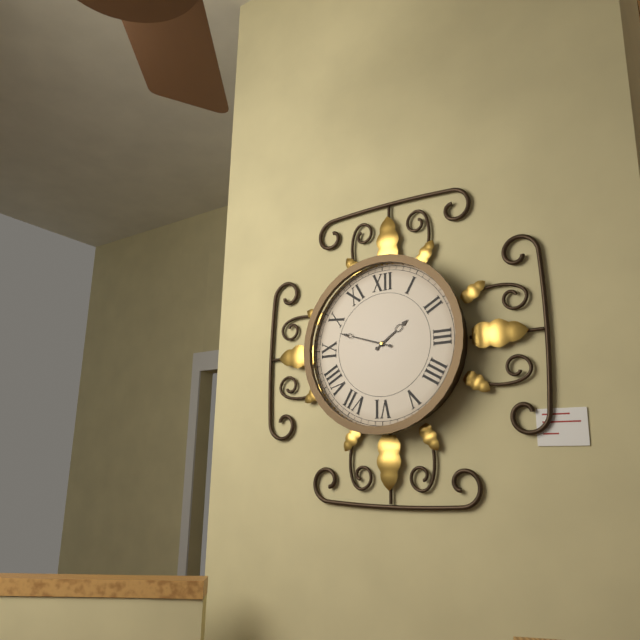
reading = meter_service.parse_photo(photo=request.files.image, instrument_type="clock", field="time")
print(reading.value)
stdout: 1:48
